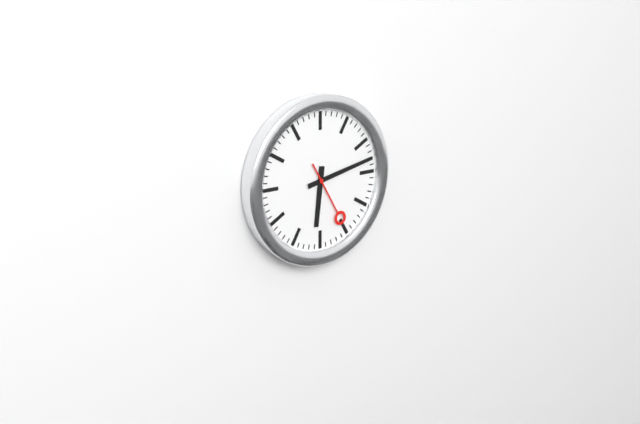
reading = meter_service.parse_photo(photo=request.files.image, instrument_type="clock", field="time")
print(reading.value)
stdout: 6:13:25
